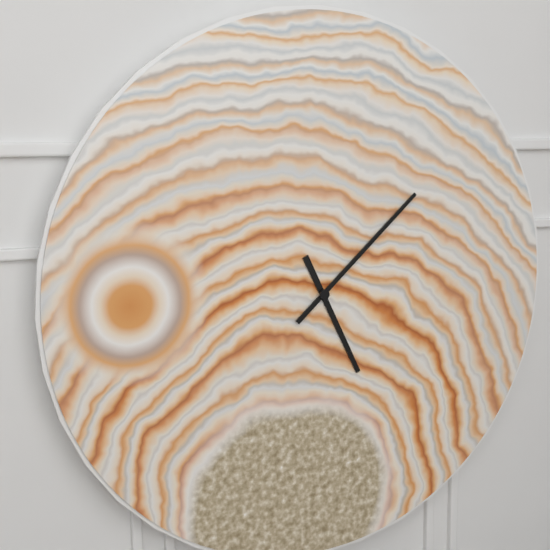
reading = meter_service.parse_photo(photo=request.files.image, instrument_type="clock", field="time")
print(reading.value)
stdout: 5:08
